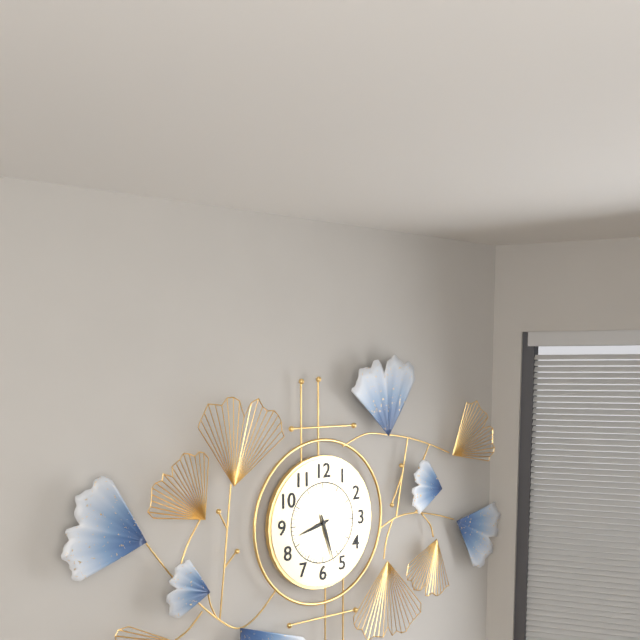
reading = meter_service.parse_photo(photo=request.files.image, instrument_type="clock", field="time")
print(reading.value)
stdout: 8:27
